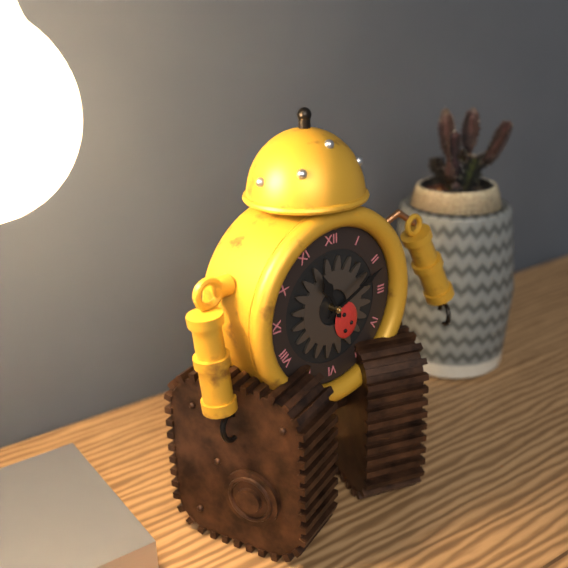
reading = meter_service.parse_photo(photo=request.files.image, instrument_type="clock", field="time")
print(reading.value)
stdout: 11:11
